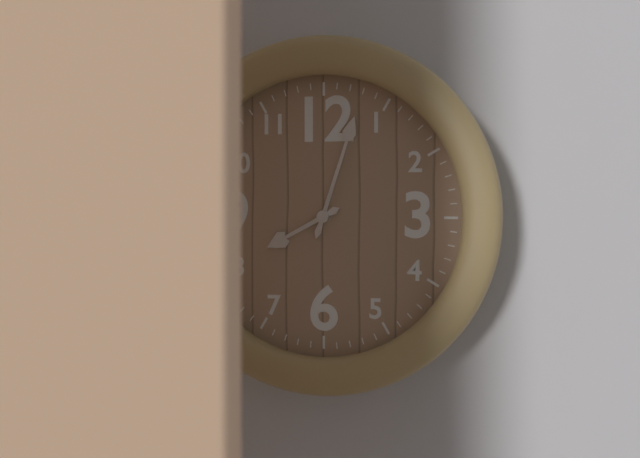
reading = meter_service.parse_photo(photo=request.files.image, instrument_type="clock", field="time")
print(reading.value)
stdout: 8:03
